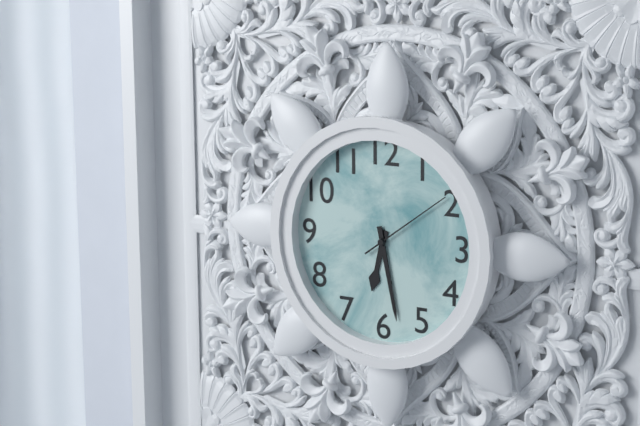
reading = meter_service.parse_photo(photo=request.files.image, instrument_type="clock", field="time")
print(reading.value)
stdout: 6:28:09
